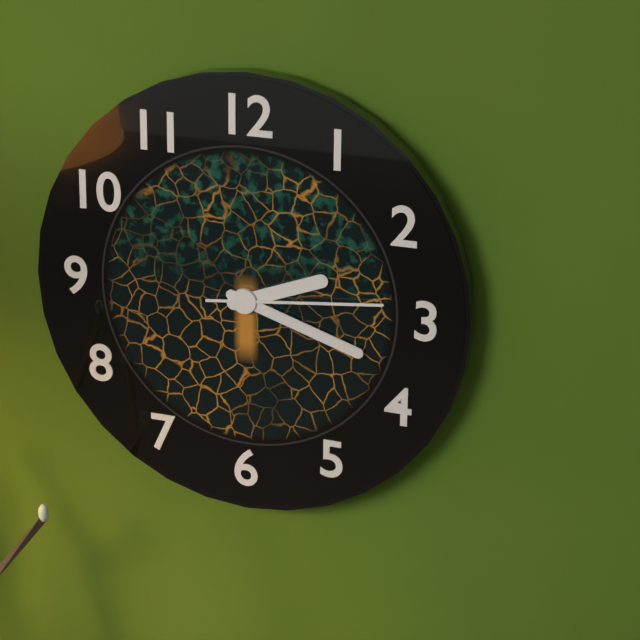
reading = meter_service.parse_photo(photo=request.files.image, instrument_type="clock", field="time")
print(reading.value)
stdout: 2:18:14
